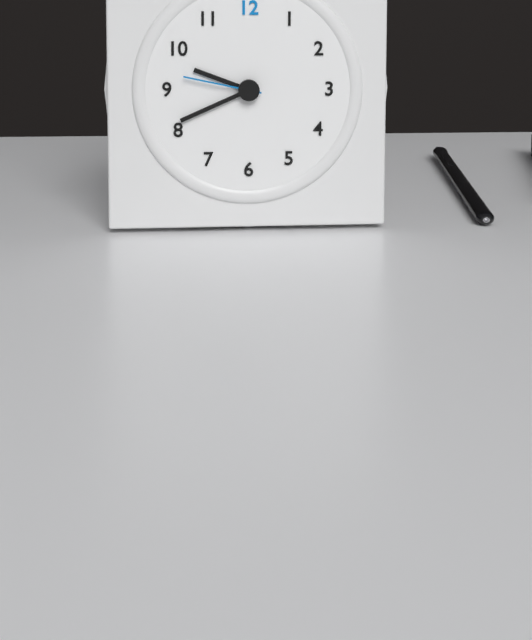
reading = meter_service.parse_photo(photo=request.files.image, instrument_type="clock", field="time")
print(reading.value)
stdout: 9:41:47
